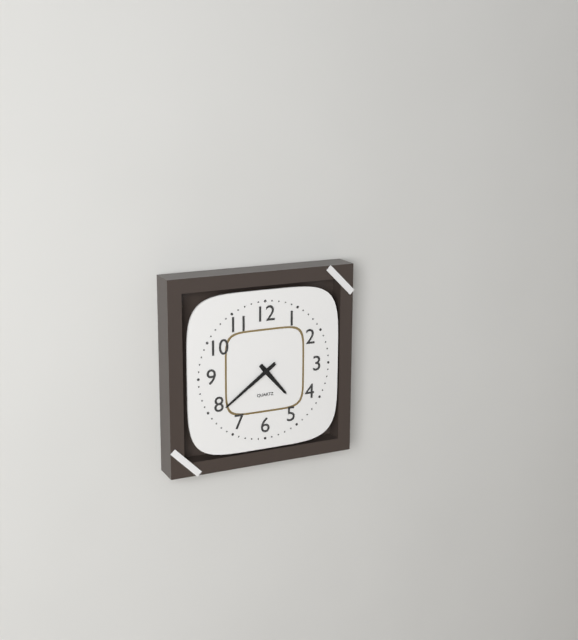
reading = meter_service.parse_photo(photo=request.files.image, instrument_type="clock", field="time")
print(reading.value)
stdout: 4:39
